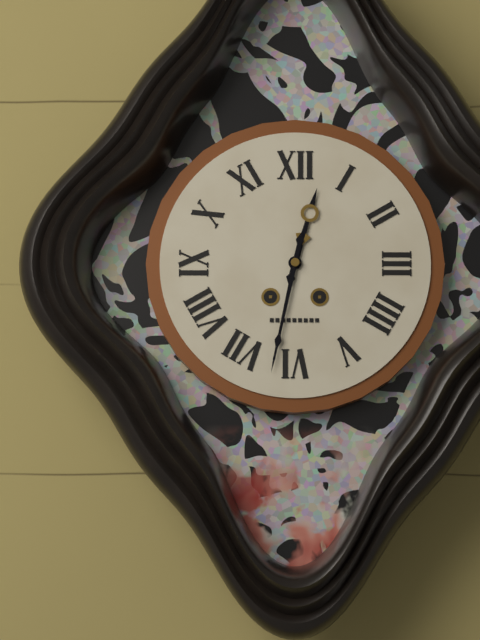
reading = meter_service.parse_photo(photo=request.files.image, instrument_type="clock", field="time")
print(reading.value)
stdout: 12:32
